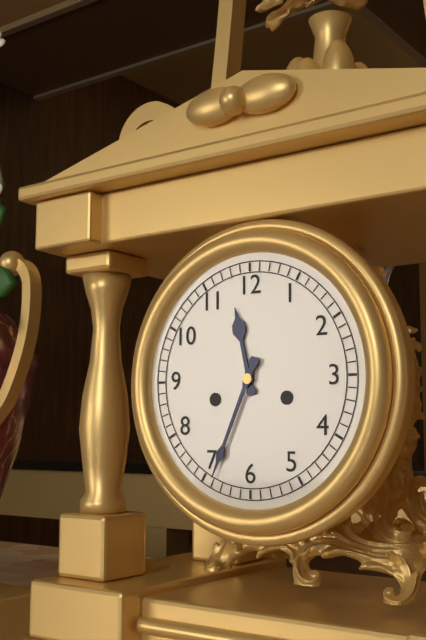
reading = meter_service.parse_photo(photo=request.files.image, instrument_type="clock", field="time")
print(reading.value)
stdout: 11:34
